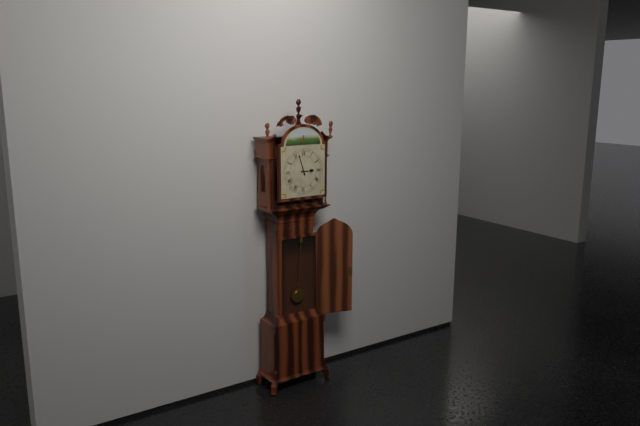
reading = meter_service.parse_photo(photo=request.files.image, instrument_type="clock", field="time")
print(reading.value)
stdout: 2:57
